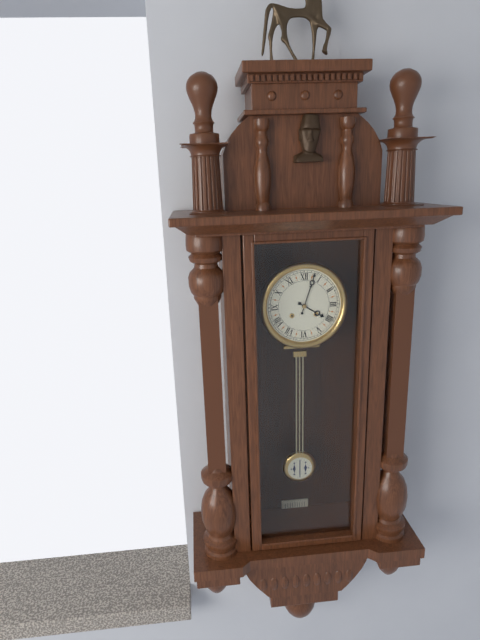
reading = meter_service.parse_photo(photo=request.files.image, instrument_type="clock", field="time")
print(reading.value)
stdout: 4:03
